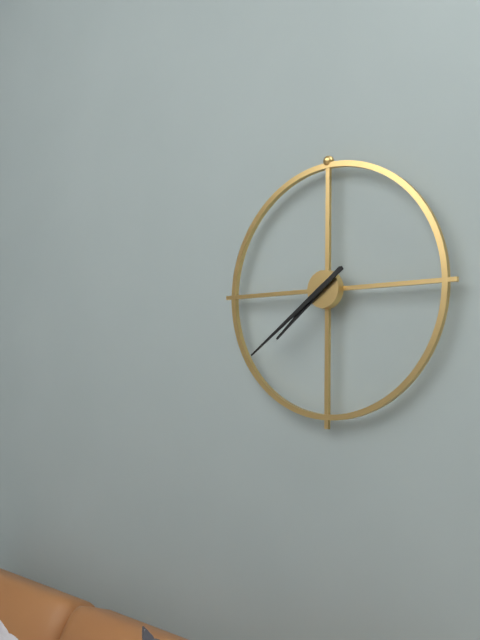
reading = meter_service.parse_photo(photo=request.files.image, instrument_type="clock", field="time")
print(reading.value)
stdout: 7:39
